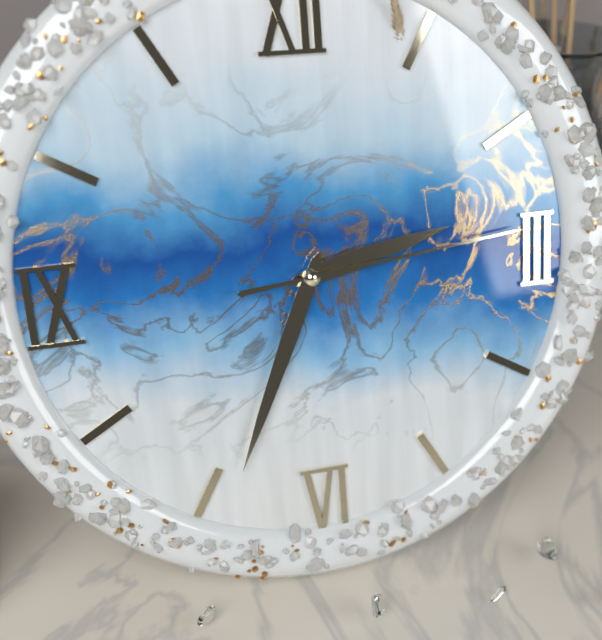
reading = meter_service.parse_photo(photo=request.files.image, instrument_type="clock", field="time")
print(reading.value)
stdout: 2:34:14
